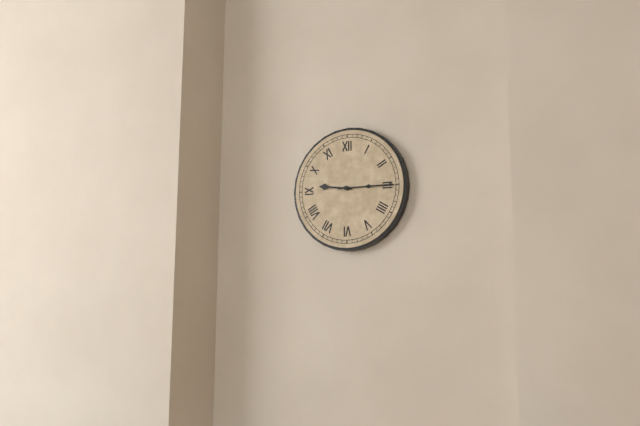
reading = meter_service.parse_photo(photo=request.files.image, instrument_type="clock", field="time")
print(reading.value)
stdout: 9:15
